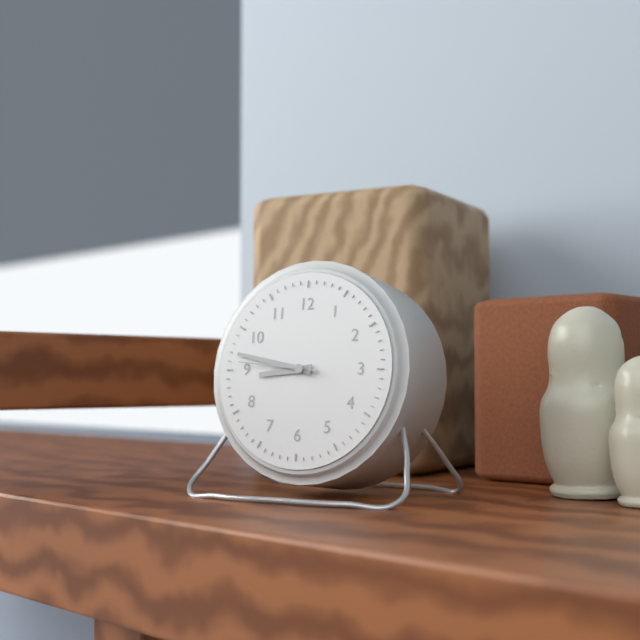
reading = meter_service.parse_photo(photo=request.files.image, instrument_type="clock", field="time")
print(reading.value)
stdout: 8:47:46
